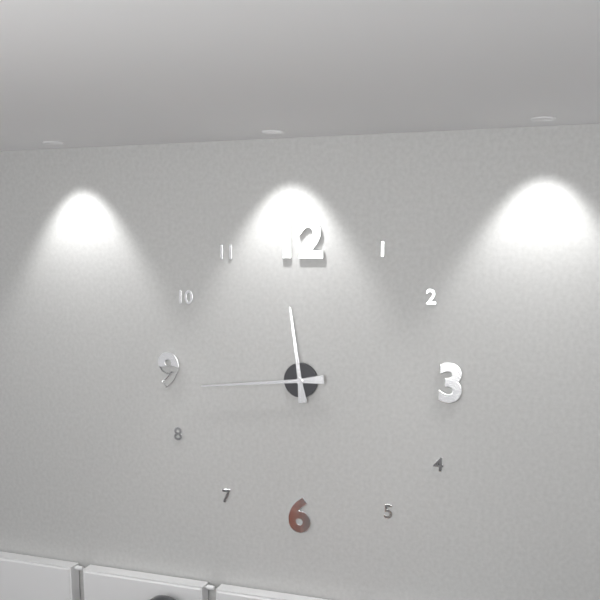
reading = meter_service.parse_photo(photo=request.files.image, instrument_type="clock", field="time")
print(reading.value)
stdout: 11:44
